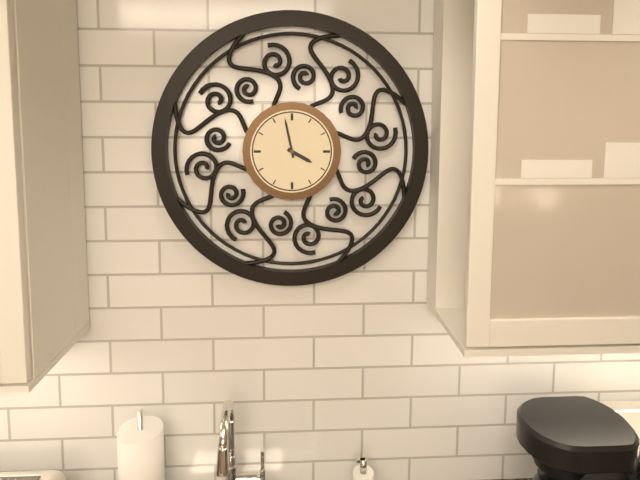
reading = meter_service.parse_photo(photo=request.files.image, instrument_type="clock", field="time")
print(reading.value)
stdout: 3:58
